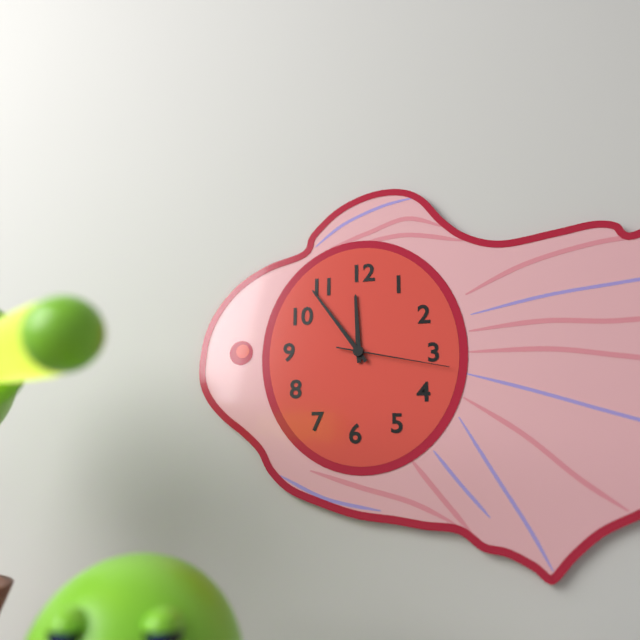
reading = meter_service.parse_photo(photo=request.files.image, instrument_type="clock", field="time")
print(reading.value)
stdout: 11:54:17
